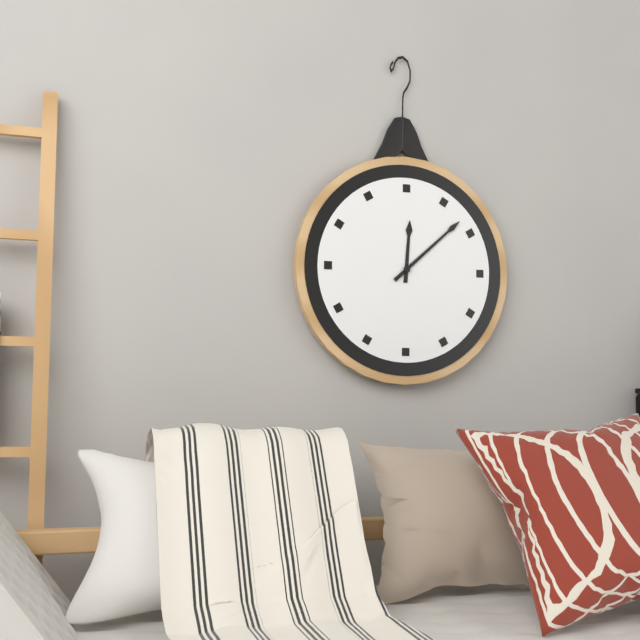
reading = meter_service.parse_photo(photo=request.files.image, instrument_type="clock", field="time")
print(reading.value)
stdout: 12:08
